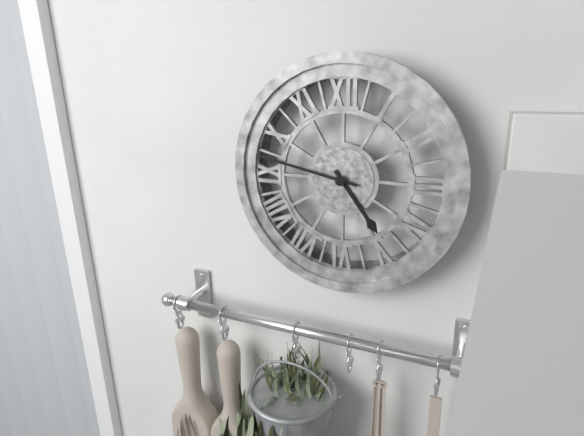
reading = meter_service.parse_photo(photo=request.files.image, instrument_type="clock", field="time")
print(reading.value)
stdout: 4:47
